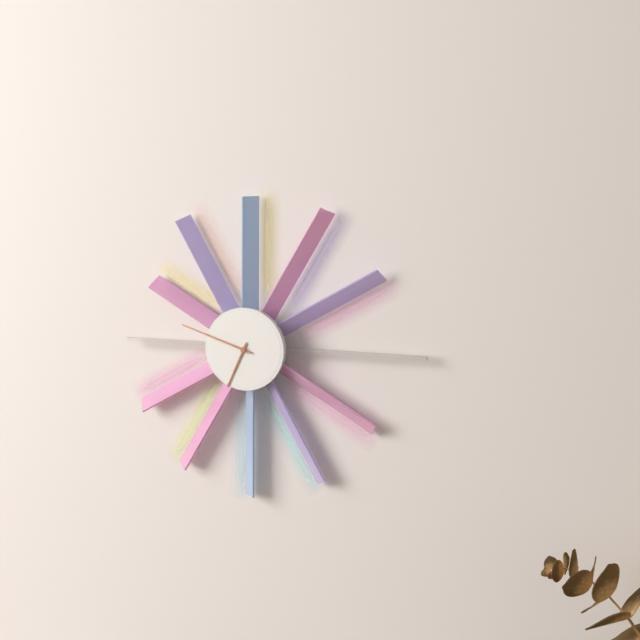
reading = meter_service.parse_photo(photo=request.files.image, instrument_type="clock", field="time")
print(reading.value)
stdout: 6:48
